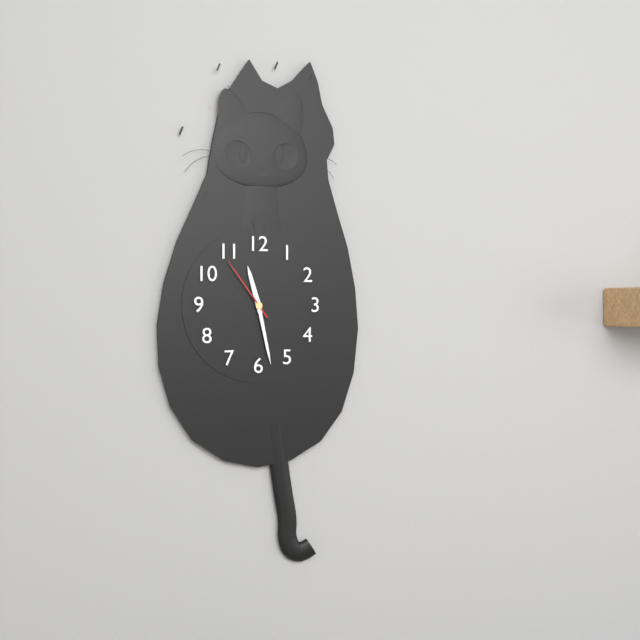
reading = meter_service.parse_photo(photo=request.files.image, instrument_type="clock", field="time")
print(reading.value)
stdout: 11:28:54
